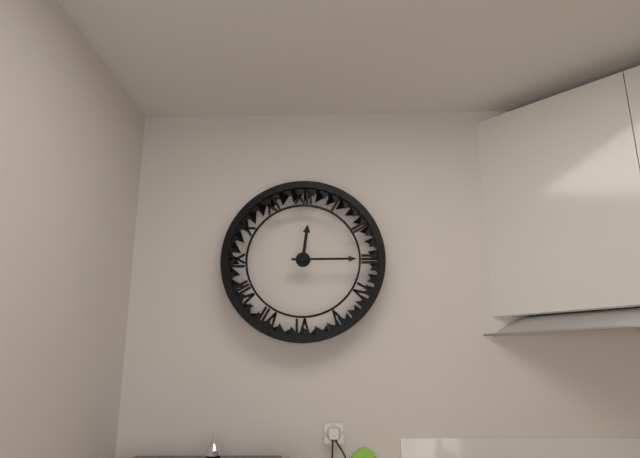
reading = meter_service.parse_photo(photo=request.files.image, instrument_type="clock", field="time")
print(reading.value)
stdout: 12:15
